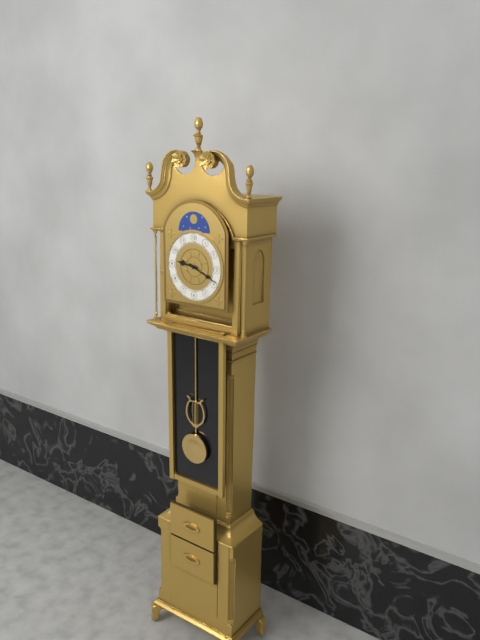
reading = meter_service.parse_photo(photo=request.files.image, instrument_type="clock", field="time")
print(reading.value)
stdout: 9:19
